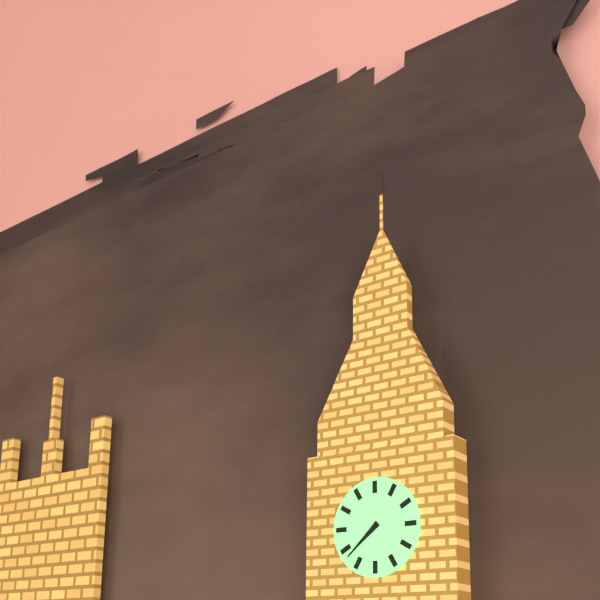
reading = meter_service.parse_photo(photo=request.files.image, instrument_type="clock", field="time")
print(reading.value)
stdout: 7:38
